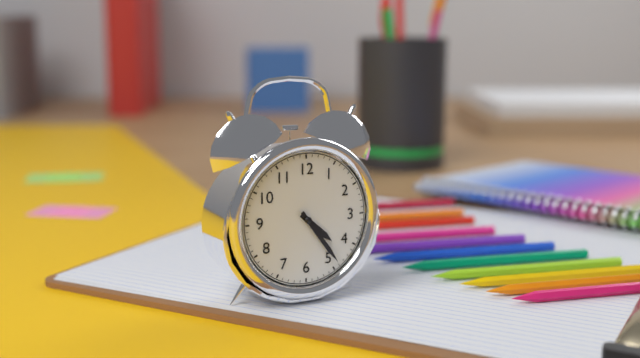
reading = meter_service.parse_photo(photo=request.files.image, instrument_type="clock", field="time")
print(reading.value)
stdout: 4:24
